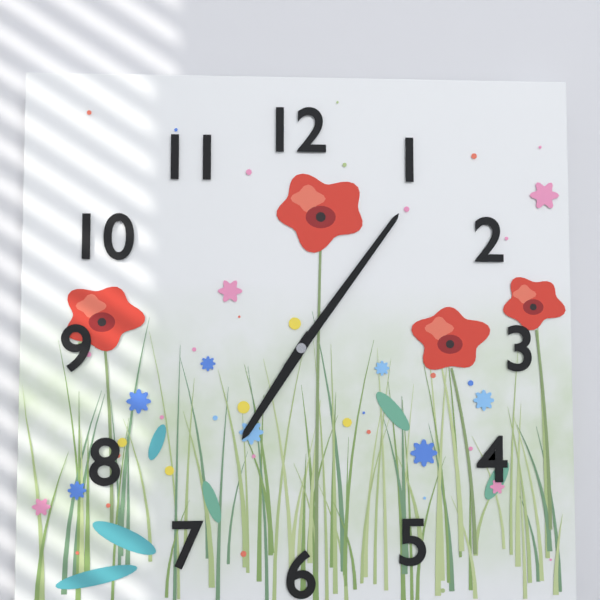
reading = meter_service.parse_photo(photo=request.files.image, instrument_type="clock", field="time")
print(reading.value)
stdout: 7:06
